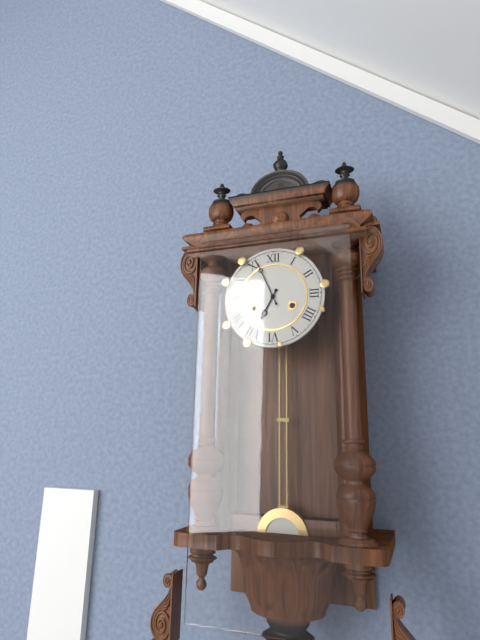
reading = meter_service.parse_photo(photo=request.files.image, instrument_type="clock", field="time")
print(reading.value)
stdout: 6:56
